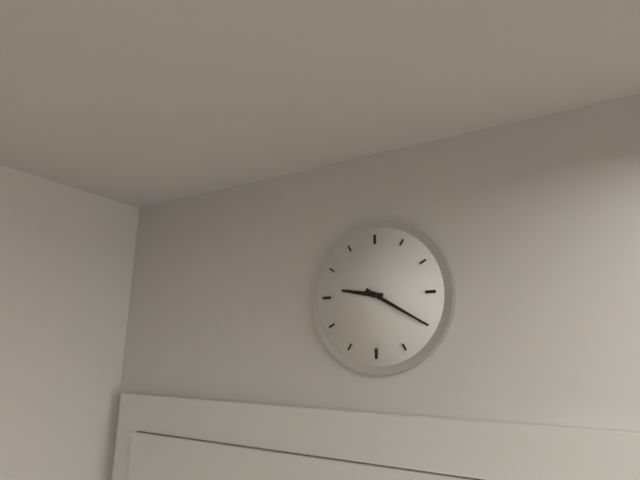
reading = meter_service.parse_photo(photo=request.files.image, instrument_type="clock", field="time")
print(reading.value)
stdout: 9:20
